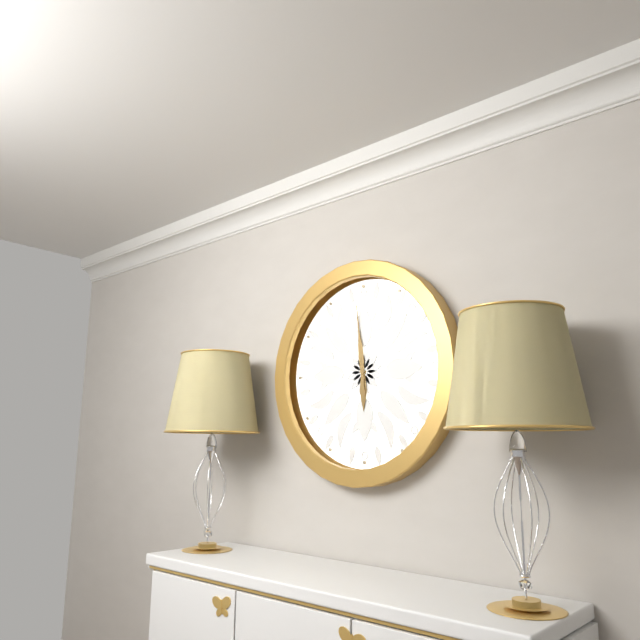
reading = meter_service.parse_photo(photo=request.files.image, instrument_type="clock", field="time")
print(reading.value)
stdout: 5:59
